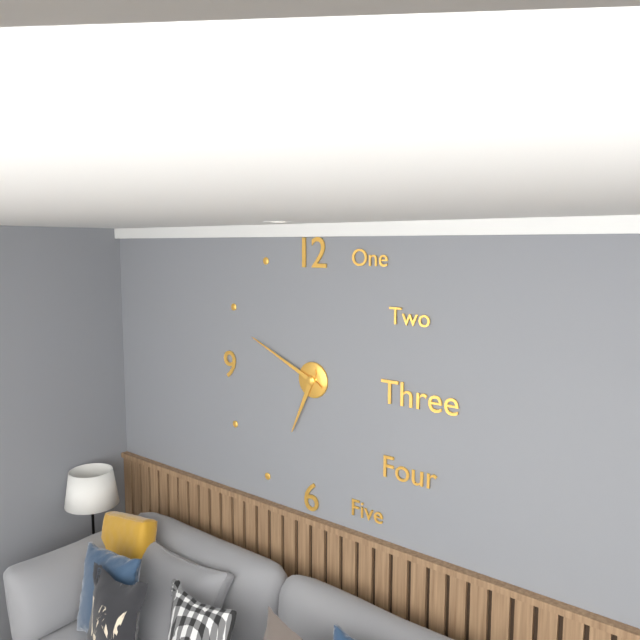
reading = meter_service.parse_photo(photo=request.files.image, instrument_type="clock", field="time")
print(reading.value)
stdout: 6:49
